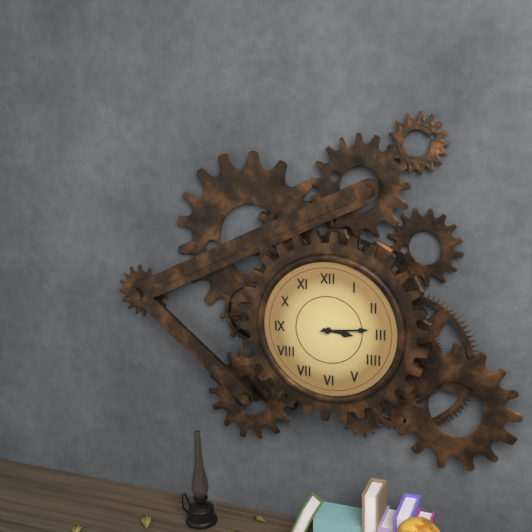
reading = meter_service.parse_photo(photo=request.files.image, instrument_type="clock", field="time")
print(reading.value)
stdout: 3:14
